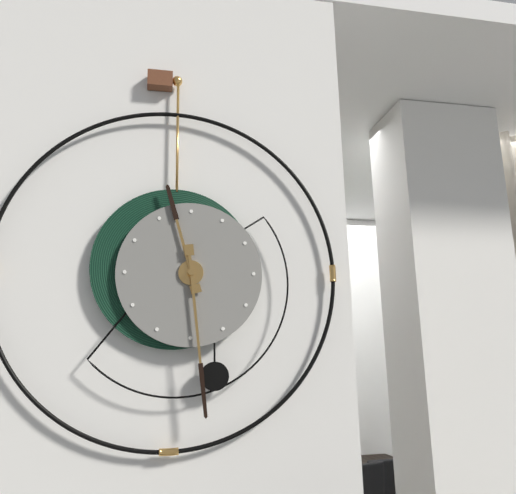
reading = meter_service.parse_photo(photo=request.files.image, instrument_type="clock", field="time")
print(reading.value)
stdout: 11:29
